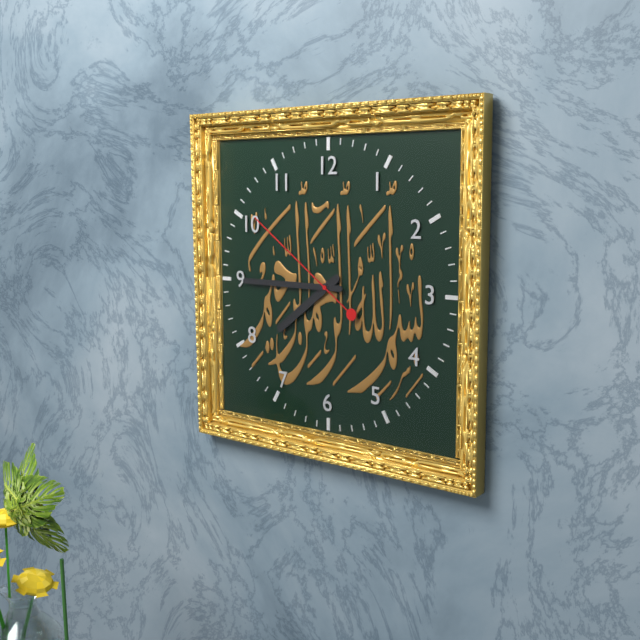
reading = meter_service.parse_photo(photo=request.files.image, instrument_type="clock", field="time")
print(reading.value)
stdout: 7:45:51
